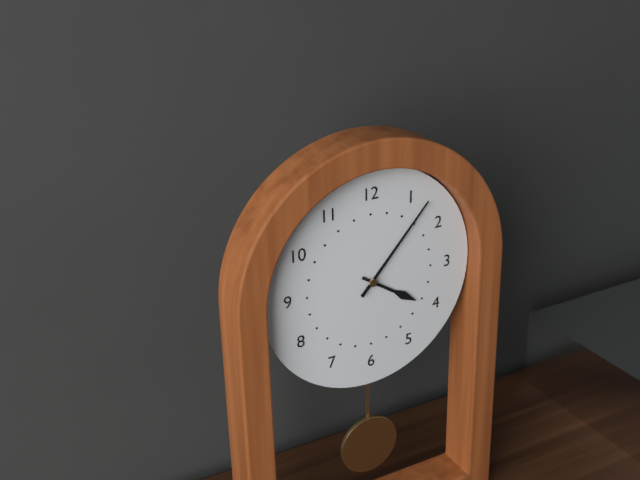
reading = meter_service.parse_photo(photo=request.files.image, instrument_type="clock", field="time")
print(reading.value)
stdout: 4:07
